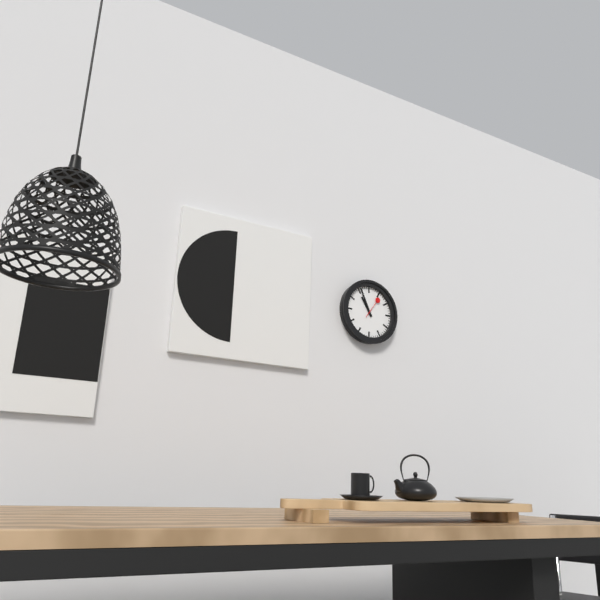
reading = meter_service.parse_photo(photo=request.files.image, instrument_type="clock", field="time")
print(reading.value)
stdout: 10:56
